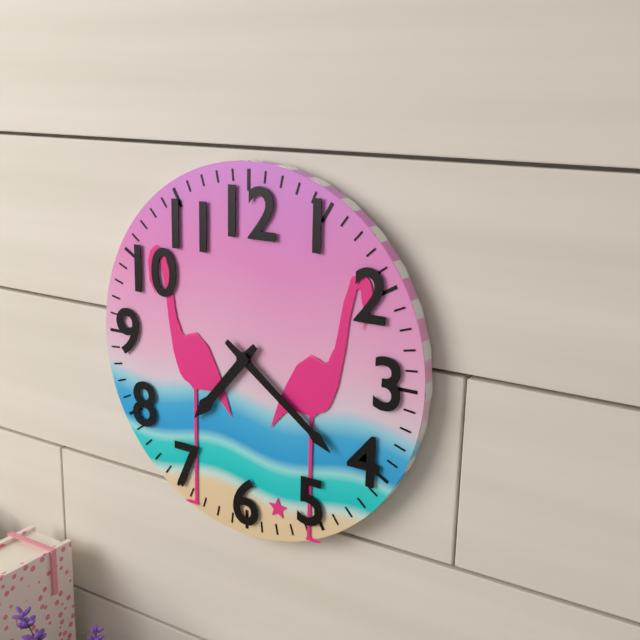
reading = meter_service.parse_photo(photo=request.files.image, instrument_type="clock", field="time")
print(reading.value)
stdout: 7:21
